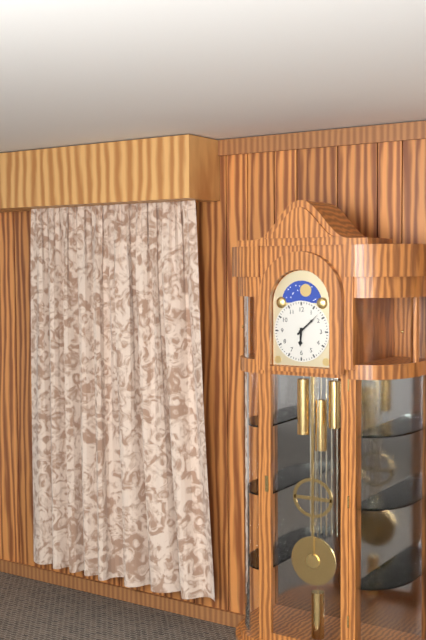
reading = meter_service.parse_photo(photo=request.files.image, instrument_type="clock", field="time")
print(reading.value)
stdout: 6:08
